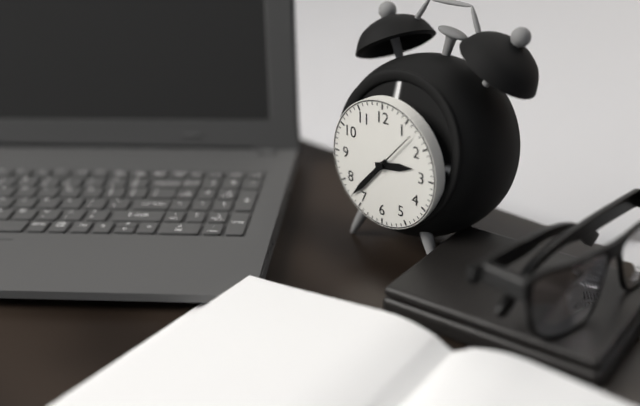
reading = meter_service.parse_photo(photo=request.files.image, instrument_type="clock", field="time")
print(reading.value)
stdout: 2:37
